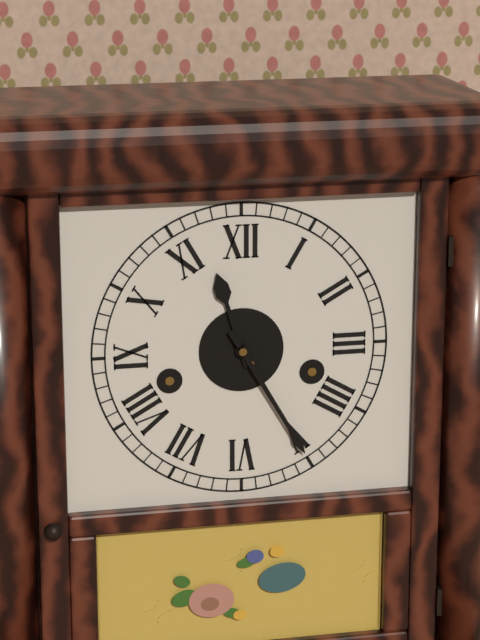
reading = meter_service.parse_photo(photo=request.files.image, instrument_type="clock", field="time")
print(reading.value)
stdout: 11:25
